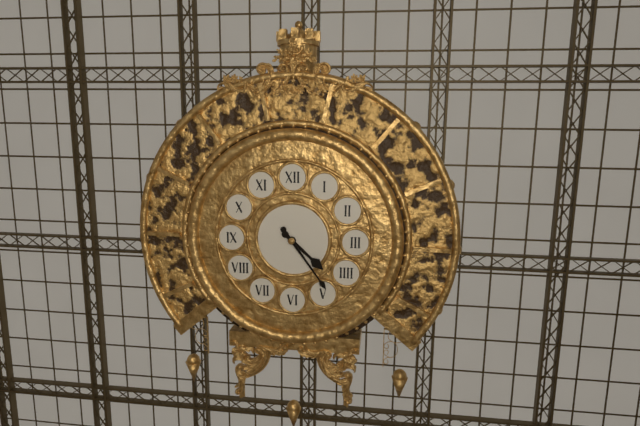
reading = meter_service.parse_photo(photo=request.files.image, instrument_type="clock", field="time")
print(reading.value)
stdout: 4:24
